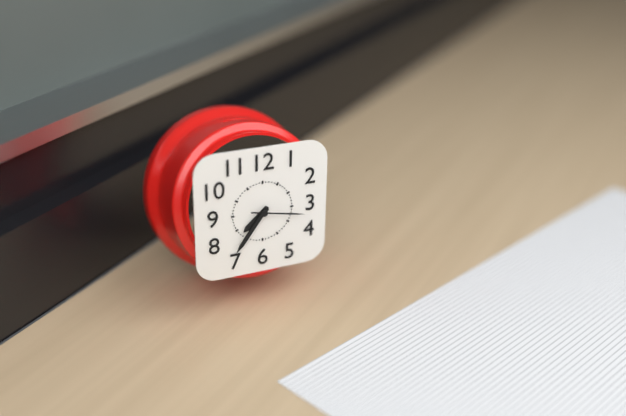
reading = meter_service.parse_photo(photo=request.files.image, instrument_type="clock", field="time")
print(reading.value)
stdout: 7:36:17
